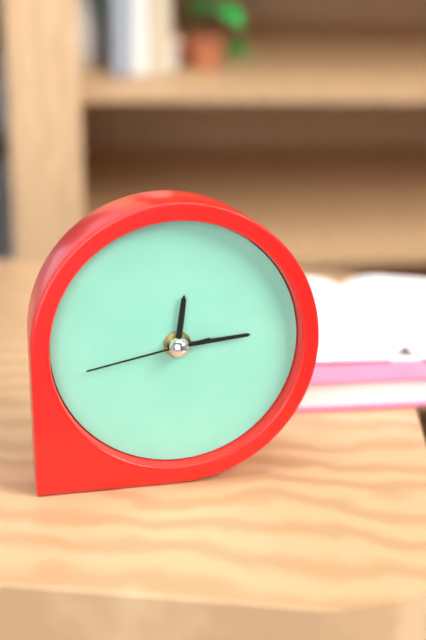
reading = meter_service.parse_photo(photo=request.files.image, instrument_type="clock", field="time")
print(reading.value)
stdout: 12:14:43
